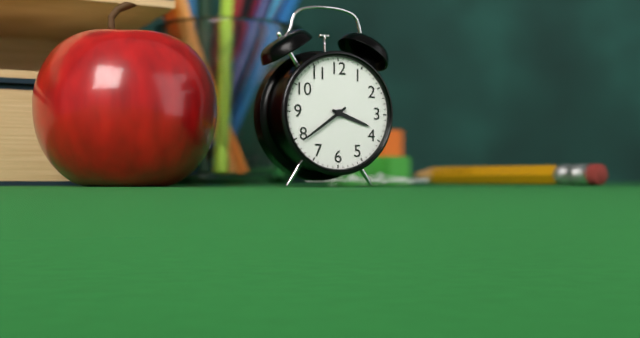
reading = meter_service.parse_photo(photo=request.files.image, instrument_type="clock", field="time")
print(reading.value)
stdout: 3:39
